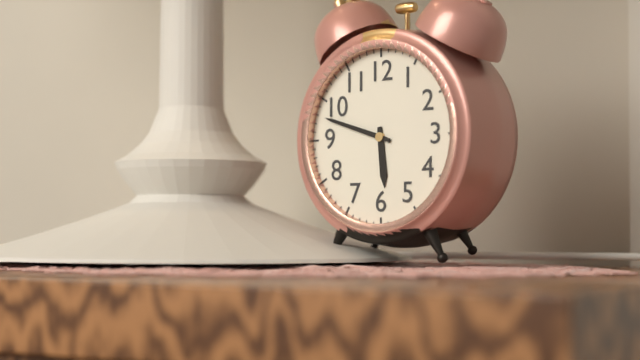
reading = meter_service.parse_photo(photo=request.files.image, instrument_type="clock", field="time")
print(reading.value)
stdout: 5:48
